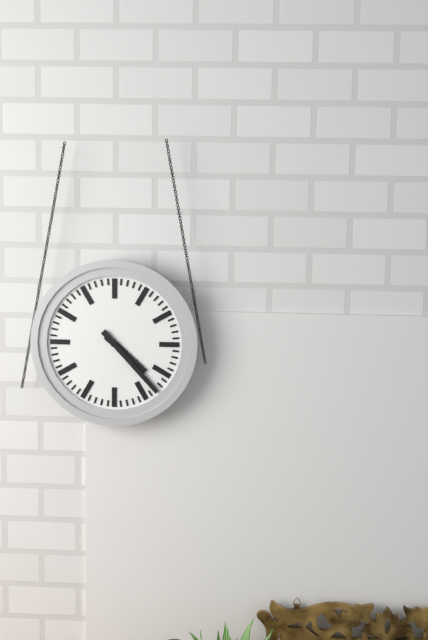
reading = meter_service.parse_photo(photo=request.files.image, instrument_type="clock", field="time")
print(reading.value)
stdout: 4:23
